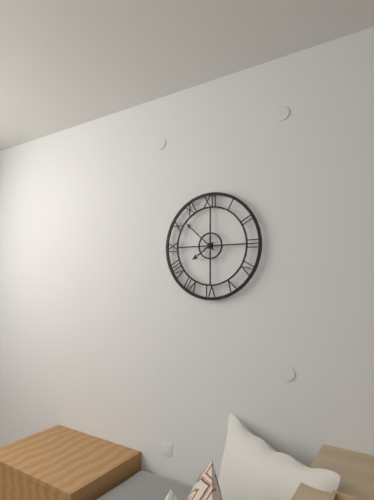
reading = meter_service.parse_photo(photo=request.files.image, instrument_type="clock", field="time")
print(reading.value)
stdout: 7:52
